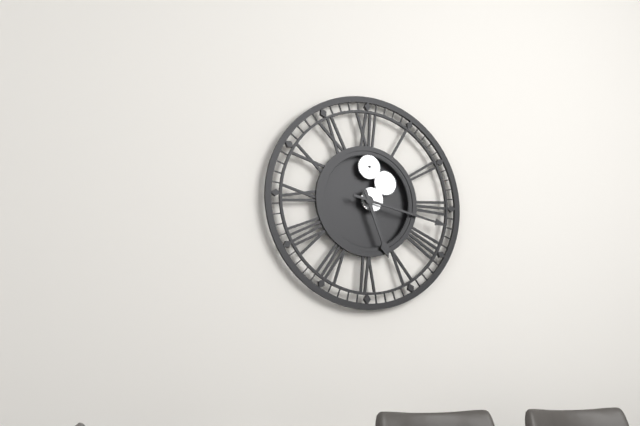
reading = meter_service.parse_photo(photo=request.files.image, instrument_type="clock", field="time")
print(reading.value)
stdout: 5:17
